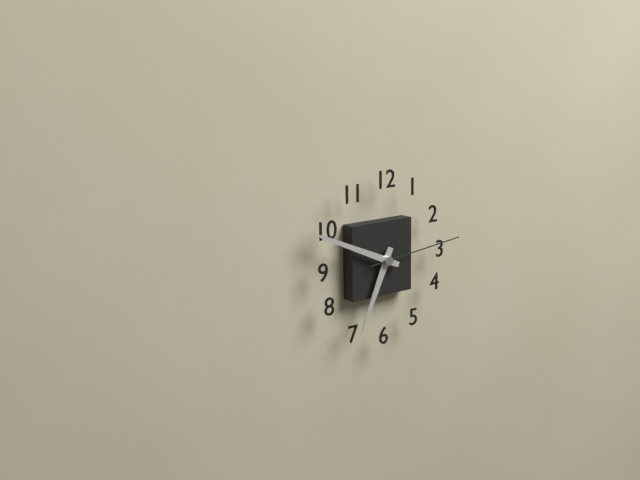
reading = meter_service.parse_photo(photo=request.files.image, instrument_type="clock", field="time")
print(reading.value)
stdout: 6:49:14
